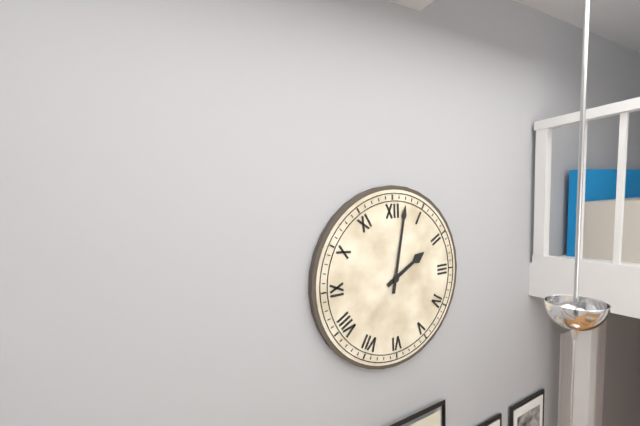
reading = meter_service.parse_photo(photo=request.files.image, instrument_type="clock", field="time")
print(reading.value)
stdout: 2:02
